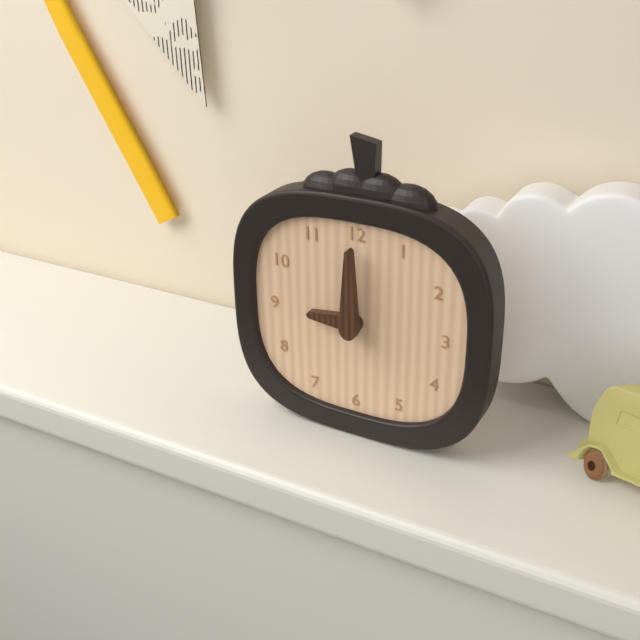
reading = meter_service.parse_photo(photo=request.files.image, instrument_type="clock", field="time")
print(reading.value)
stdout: 9:00
